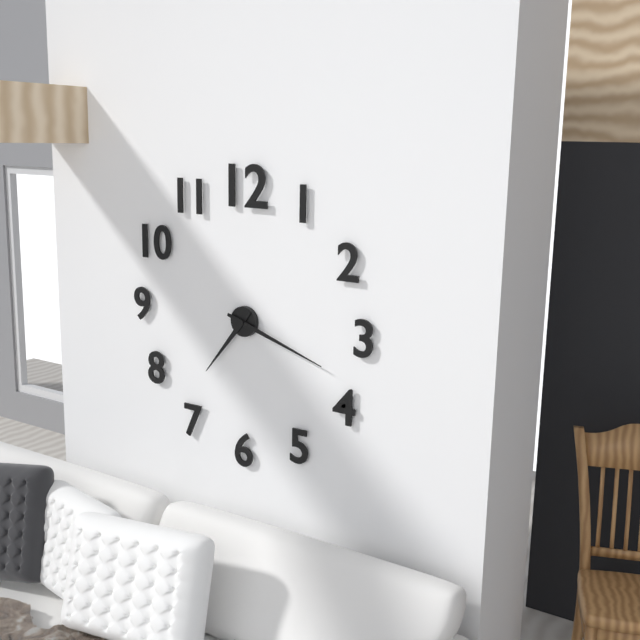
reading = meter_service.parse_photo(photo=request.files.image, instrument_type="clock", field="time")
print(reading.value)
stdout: 7:18
